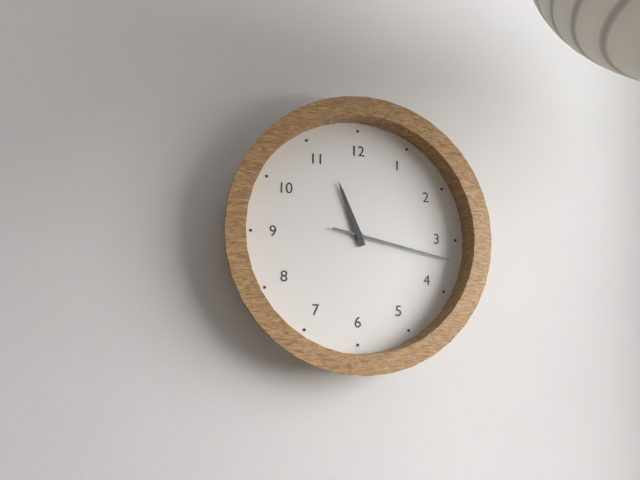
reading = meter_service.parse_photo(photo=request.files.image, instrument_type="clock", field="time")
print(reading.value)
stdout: 11:17
